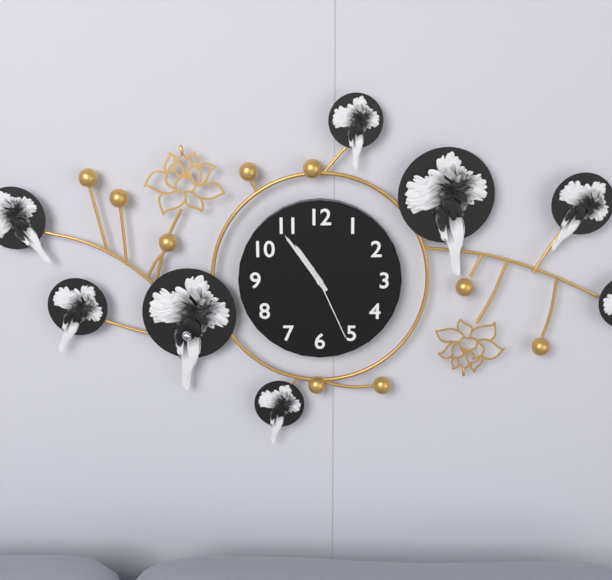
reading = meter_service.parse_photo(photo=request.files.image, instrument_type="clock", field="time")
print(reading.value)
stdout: 10:54:26
